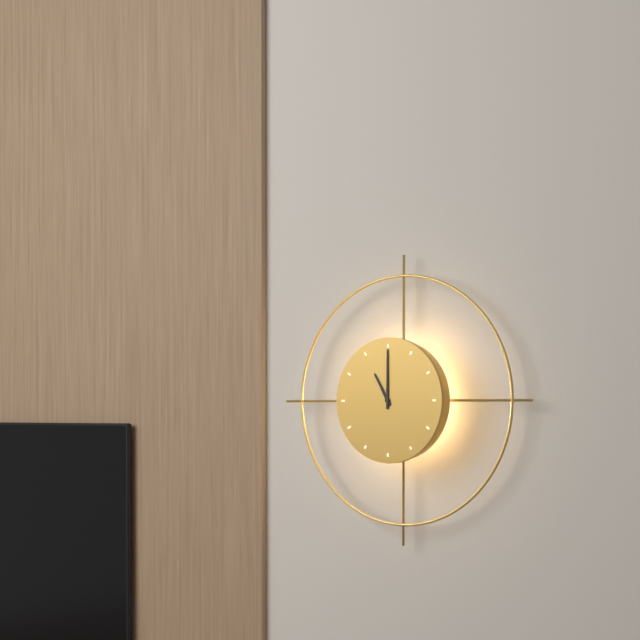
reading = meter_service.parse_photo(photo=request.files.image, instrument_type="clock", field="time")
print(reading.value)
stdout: 11:00
